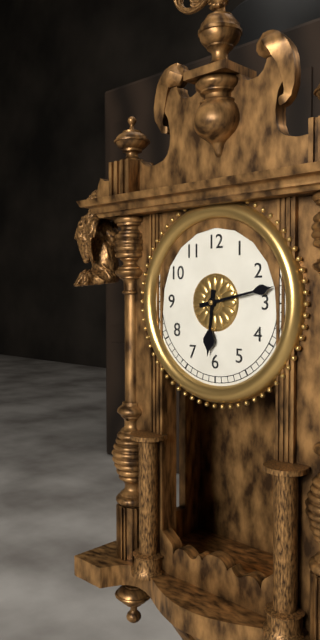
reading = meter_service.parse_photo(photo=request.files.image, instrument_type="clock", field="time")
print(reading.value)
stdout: 6:13
